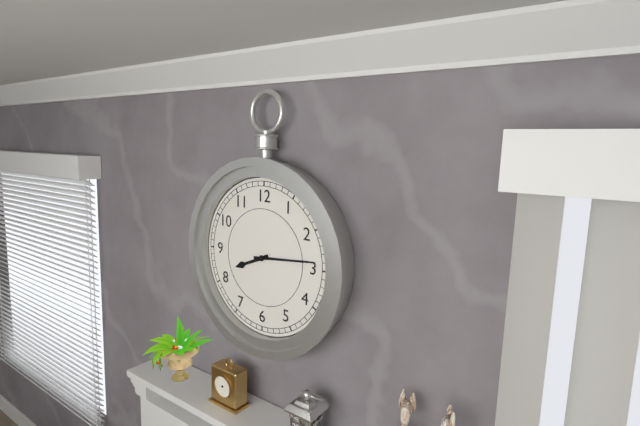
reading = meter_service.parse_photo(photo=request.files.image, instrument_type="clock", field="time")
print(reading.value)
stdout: 8:14
